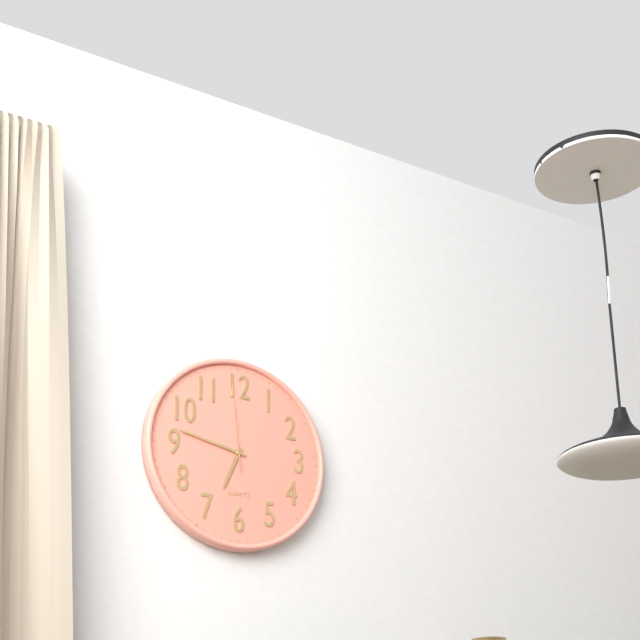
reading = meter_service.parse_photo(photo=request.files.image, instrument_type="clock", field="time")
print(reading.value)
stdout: 6:47:59
